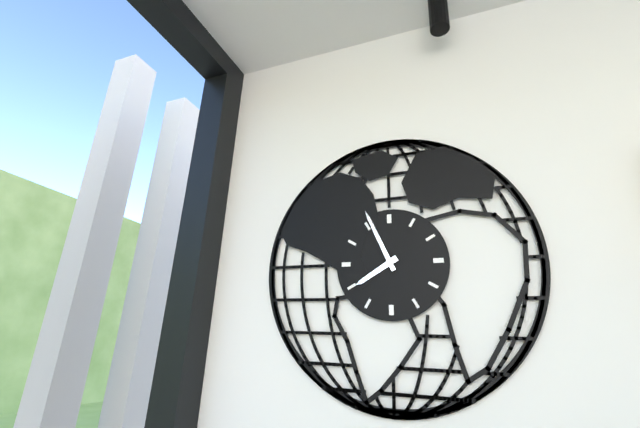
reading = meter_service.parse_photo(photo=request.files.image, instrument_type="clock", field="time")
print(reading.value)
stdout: 7:56
